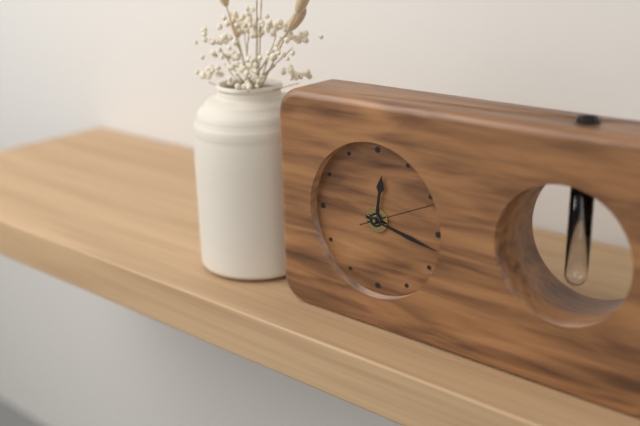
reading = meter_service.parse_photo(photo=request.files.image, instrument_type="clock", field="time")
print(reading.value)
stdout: 12:17:11
